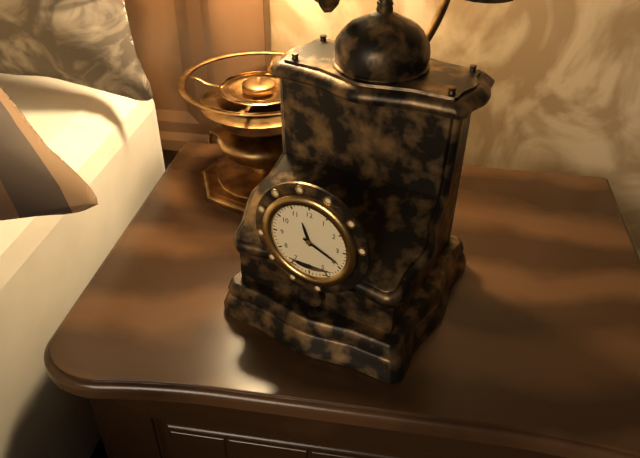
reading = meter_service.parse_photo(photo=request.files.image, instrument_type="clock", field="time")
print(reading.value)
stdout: 11:19
